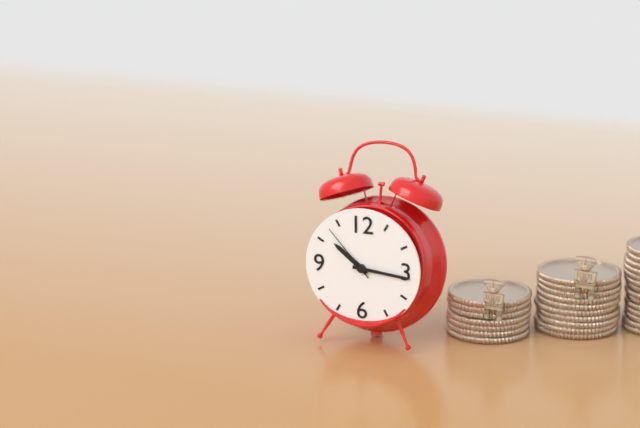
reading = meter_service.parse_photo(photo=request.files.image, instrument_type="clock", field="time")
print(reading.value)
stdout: 10:16:53
